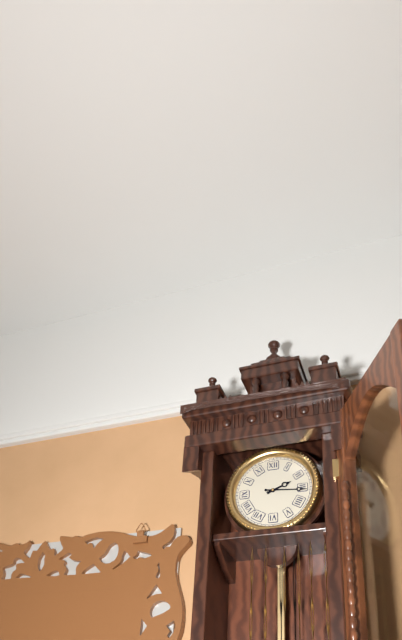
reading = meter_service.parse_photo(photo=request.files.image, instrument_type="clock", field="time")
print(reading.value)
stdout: 2:16
